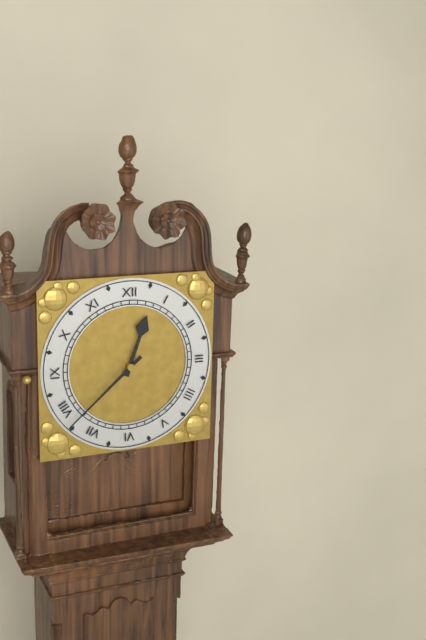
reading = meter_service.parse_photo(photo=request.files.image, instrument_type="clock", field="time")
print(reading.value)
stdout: 12:38
